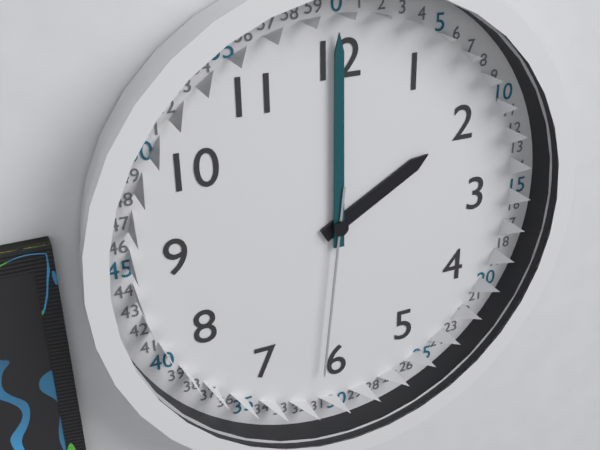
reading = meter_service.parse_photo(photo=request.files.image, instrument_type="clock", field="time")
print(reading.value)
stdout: 2:00:31
